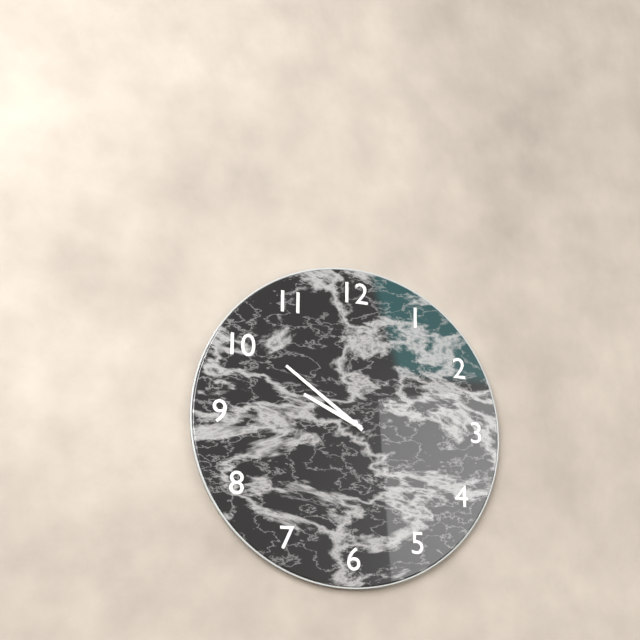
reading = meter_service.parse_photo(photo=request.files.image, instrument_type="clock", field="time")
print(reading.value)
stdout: 9:51
